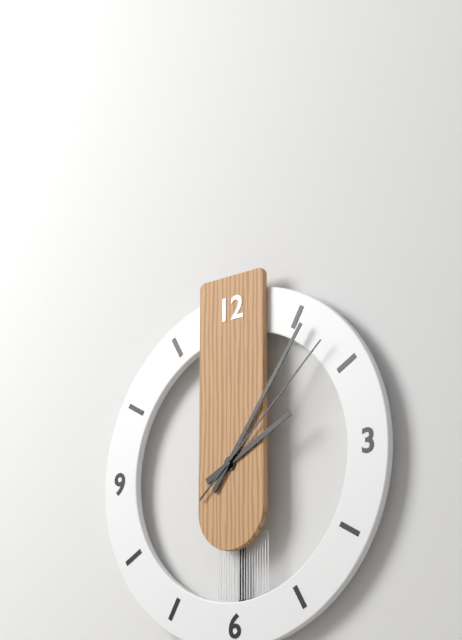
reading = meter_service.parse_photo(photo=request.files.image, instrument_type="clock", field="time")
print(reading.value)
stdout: 2:06:08
